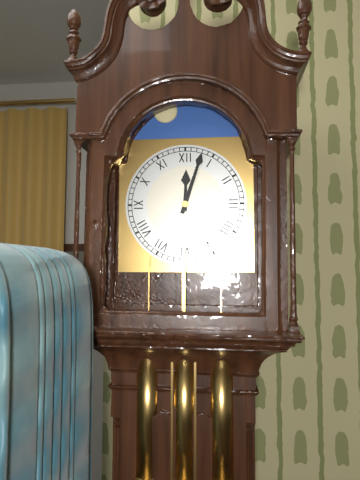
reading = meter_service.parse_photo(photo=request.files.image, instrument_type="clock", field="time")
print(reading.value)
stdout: 12:03
